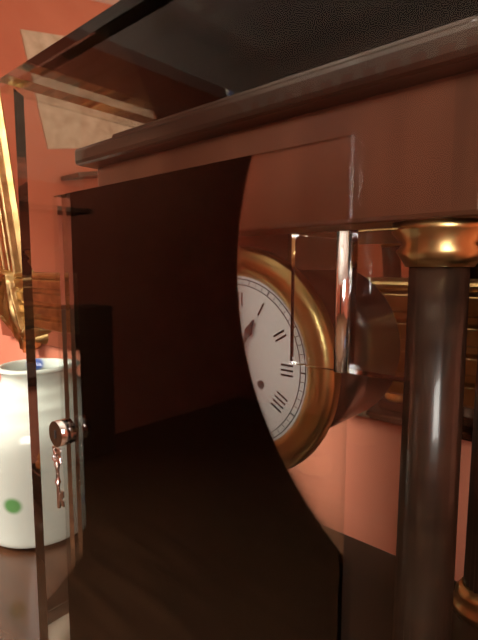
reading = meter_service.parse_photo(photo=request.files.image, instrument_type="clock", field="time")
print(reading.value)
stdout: 12:58
